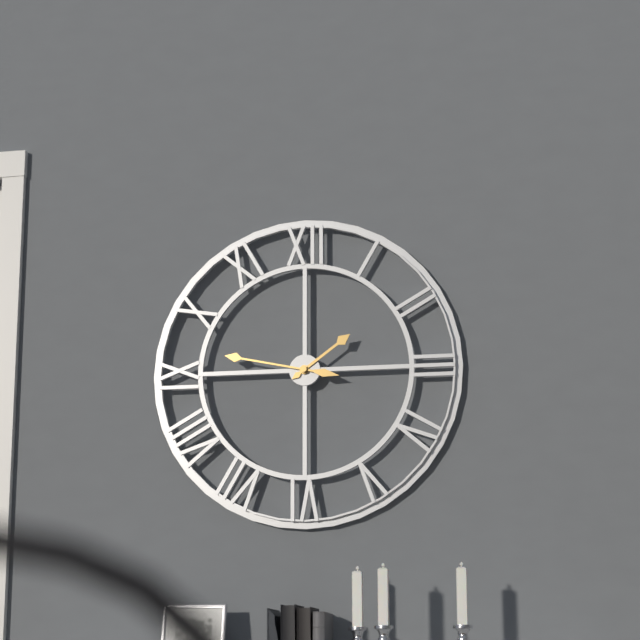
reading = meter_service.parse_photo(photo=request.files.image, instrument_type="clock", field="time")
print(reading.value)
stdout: 1:47
